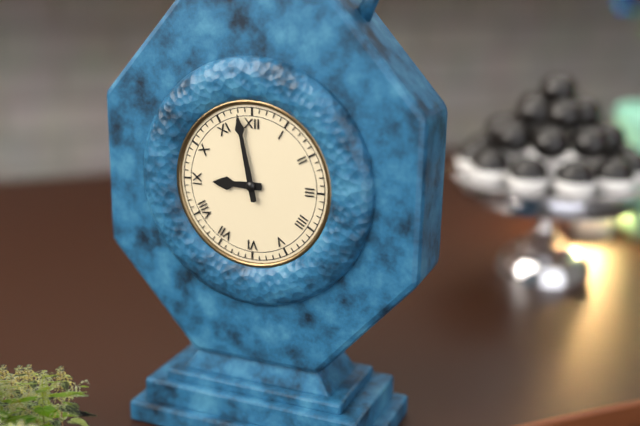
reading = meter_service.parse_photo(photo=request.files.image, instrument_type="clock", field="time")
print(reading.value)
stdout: 8:58
